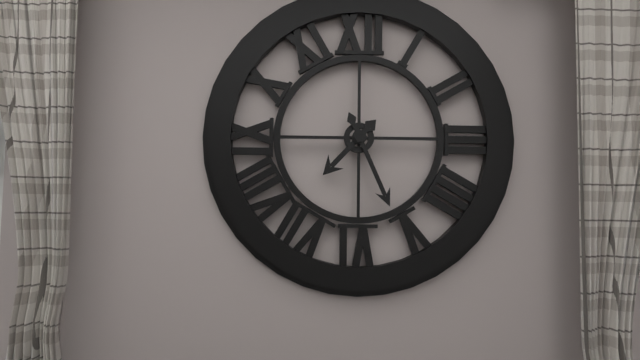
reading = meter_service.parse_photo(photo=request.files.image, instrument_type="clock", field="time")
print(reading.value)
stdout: 7:26
